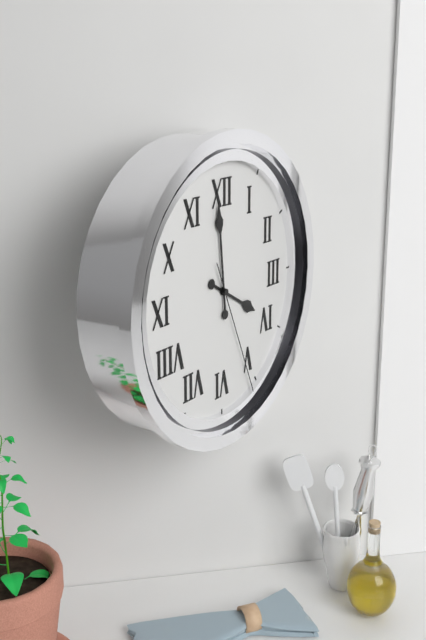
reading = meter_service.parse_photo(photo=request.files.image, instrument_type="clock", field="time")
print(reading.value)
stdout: 3:59:26
